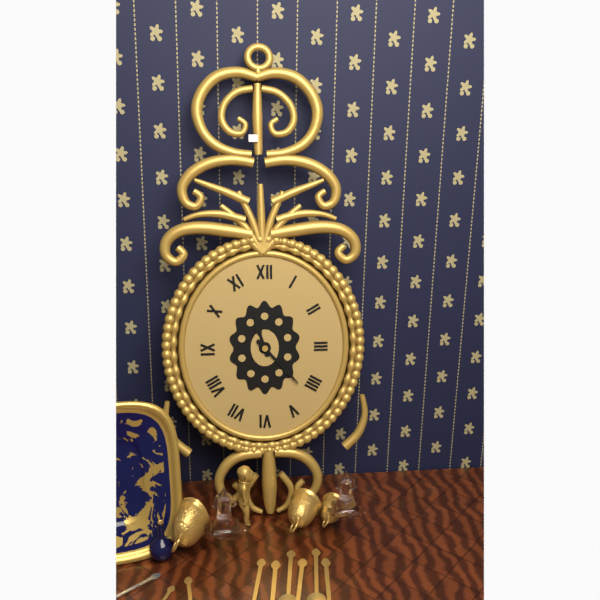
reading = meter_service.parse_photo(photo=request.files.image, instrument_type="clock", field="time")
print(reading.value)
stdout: 11:23
